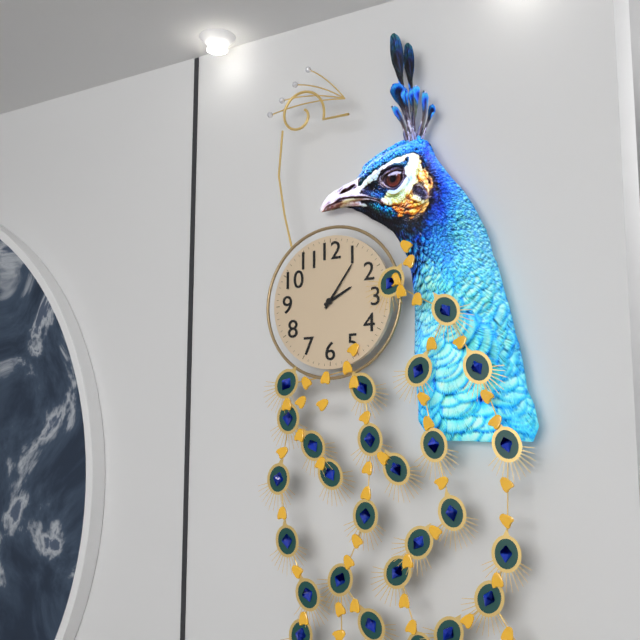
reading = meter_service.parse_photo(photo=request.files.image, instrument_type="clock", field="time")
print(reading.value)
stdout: 2:06
